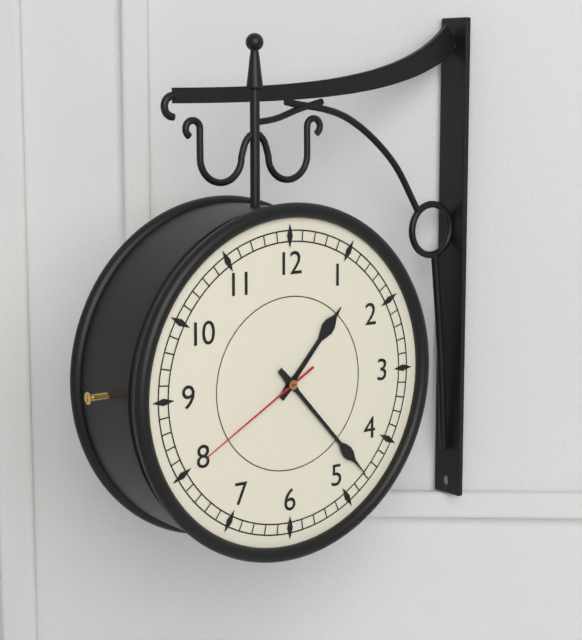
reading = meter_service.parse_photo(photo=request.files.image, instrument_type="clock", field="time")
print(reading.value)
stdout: 1:23:40
